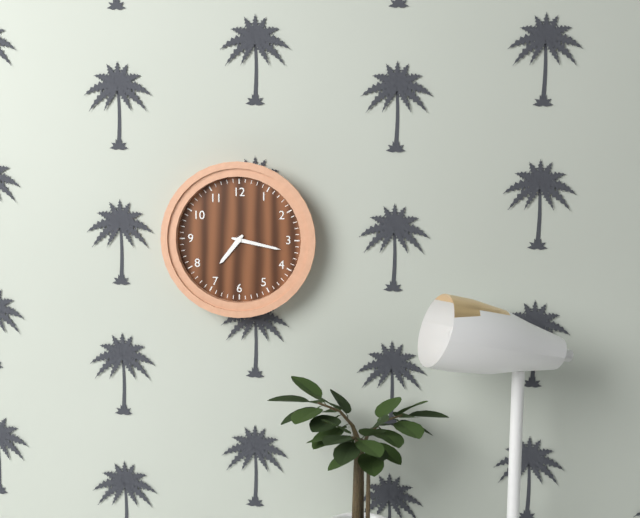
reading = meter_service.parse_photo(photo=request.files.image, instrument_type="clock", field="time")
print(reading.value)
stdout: 7:17
